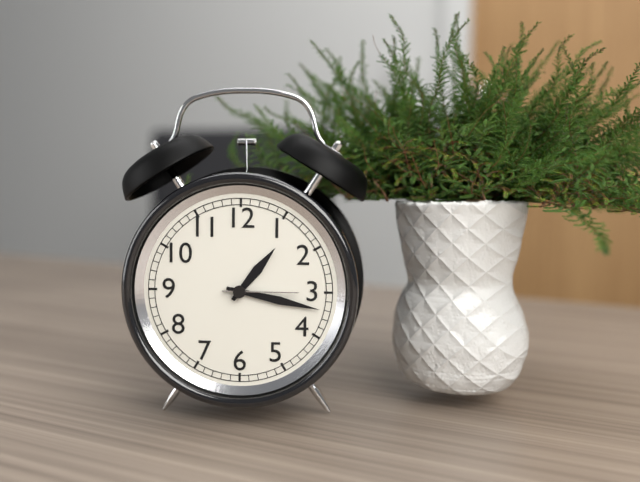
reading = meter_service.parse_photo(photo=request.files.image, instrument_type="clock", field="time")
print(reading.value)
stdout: 1:17:15
